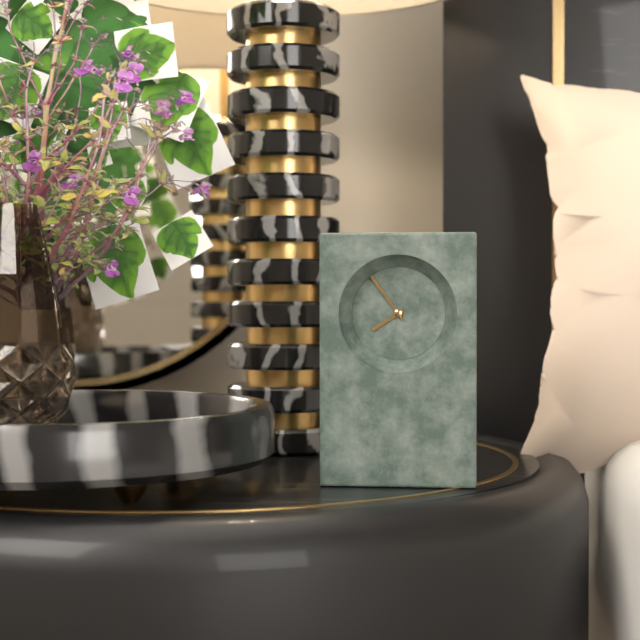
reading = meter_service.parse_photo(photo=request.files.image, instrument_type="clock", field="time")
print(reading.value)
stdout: 7:54
